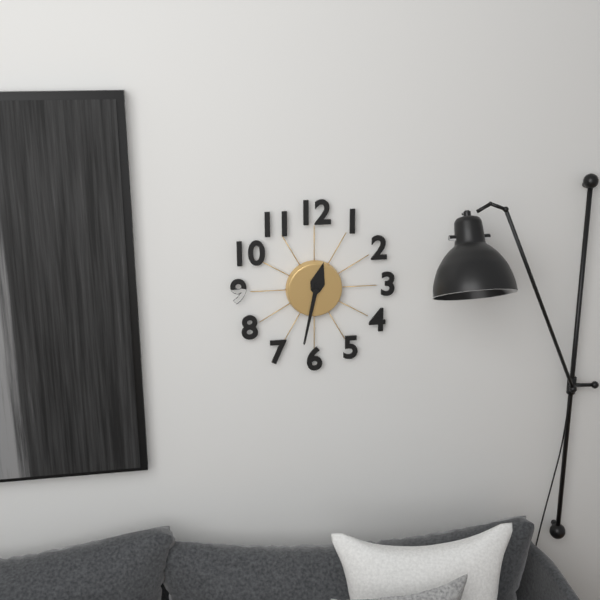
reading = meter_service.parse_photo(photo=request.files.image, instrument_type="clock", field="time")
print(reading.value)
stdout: 12:32
